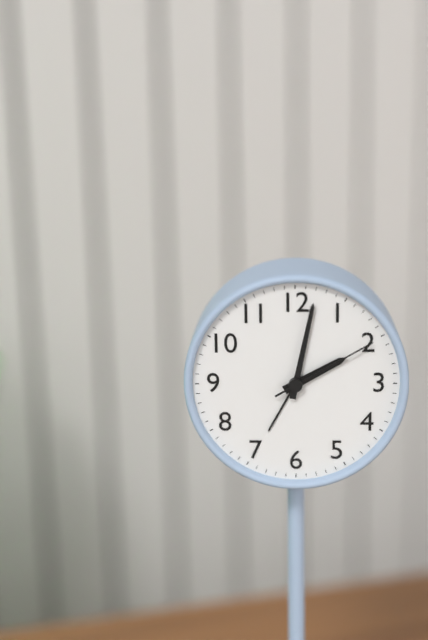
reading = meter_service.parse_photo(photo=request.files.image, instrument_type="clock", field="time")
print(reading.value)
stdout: 2:02:10
